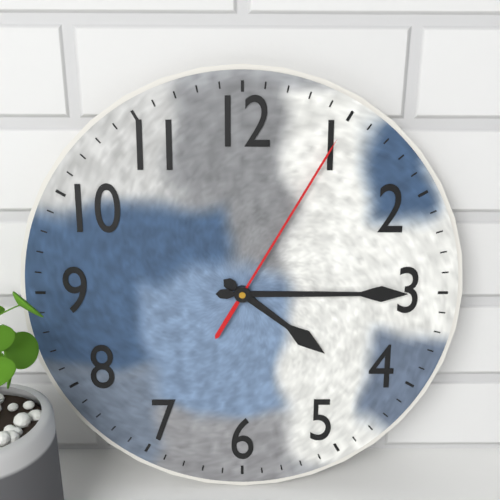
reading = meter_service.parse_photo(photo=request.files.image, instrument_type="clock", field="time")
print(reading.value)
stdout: 4:15:05
